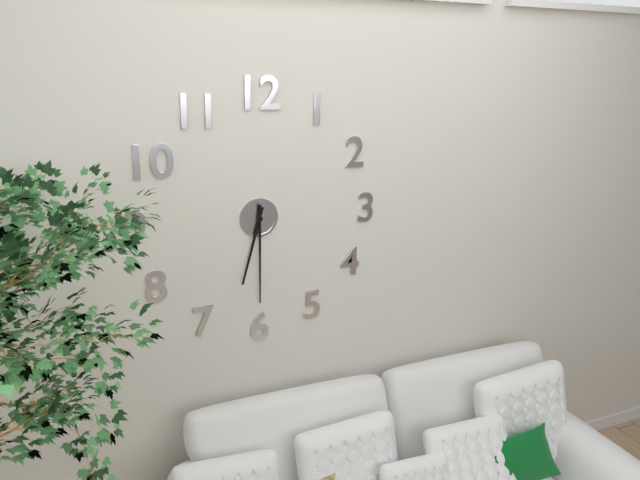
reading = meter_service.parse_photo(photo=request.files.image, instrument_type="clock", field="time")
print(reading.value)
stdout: 6:30
